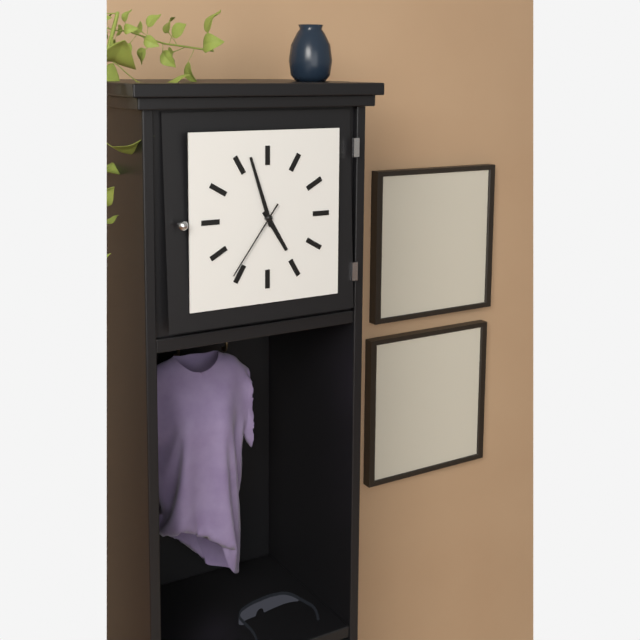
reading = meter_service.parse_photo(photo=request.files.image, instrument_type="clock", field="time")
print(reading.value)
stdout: 4:57:36
